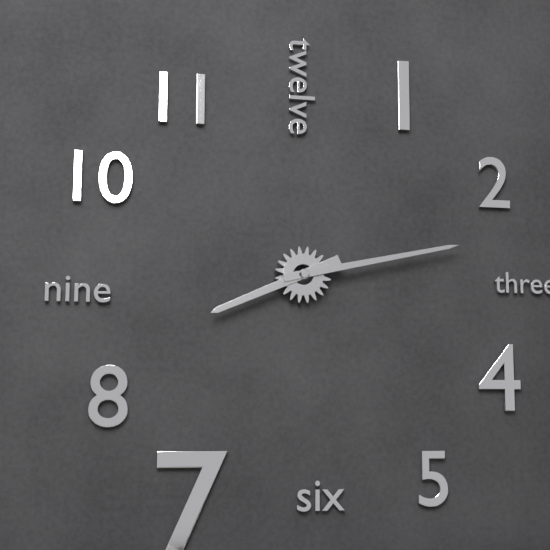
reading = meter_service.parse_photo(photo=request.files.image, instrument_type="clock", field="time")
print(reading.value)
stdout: 8:13
